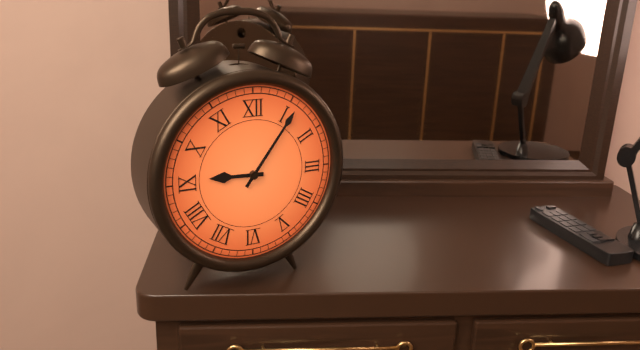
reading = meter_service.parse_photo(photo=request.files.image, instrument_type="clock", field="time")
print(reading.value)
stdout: 9:06
